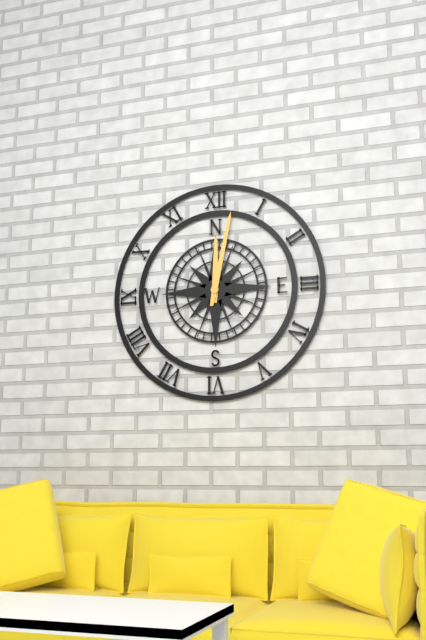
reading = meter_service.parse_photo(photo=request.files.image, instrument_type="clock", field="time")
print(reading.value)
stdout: 12:02
